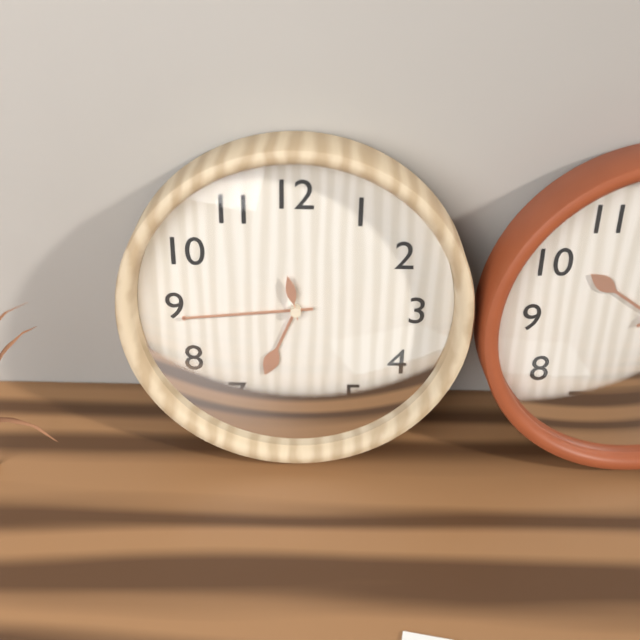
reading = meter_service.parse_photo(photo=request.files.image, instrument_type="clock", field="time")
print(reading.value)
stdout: 6:44
